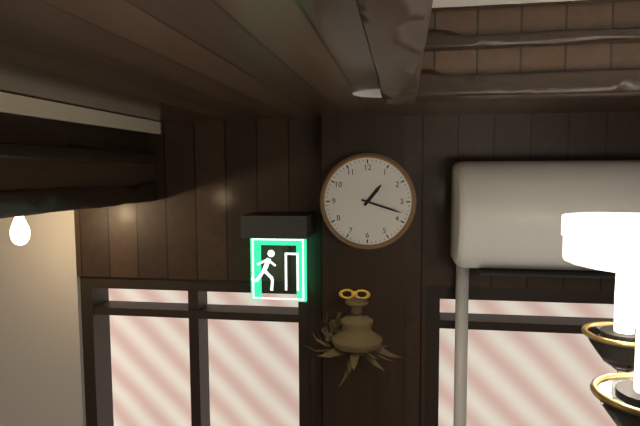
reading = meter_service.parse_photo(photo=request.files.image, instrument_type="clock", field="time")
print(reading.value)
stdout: 1:18
